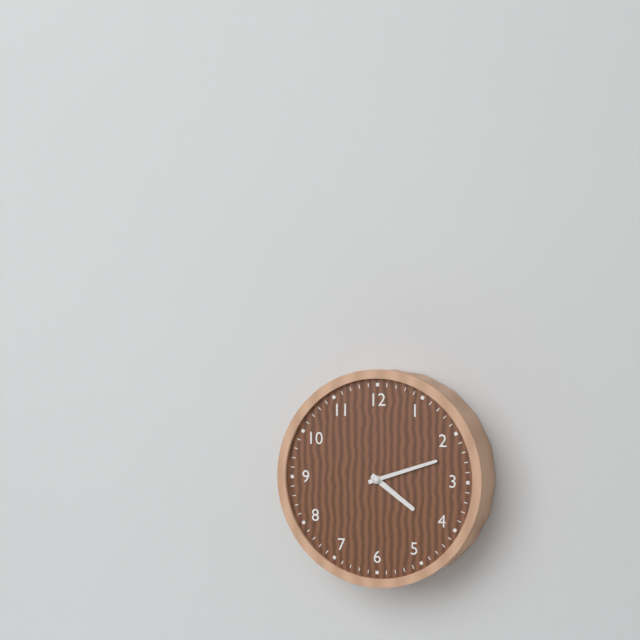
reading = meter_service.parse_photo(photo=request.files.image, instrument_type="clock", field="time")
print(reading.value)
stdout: 4:12
